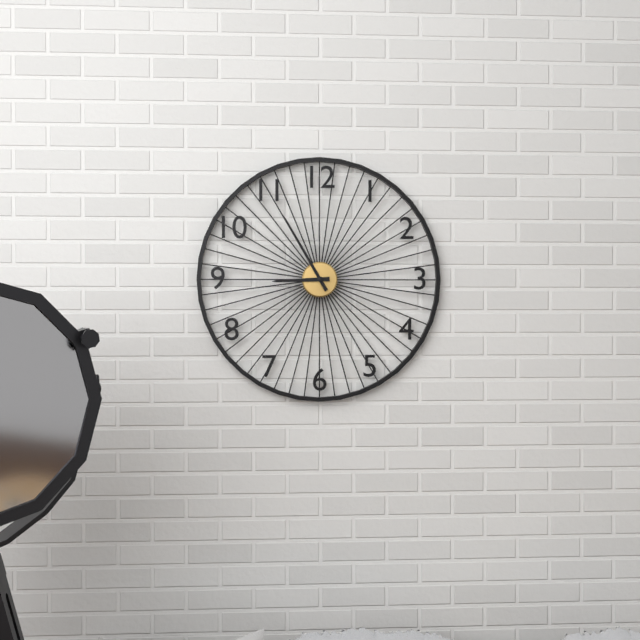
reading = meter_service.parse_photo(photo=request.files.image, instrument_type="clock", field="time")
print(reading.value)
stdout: 8:55
